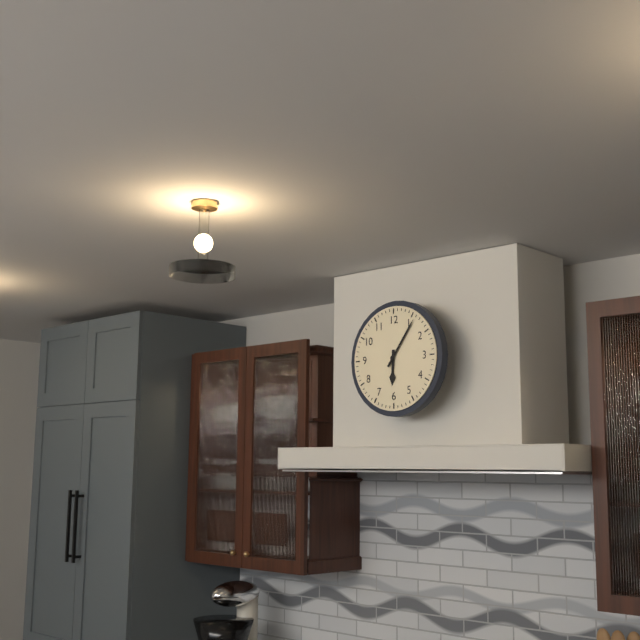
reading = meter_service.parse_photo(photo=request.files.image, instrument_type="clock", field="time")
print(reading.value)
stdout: 6:06
